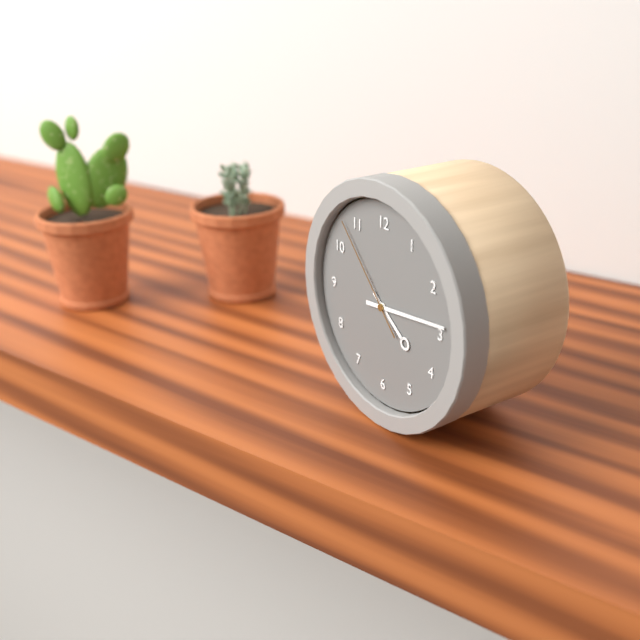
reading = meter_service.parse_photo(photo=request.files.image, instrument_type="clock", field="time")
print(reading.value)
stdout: 4:14:53
